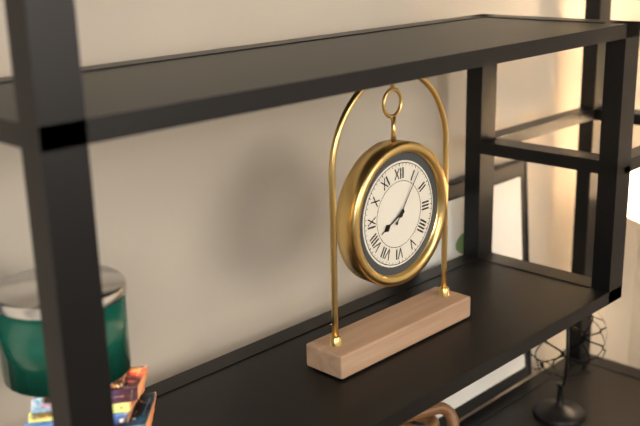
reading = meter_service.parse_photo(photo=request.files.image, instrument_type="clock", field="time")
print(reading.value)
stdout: 8:06
